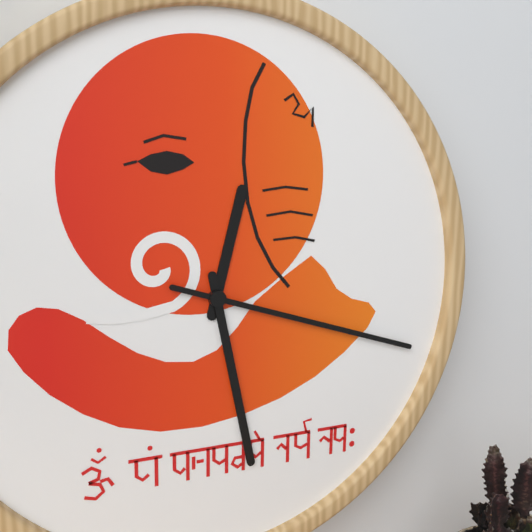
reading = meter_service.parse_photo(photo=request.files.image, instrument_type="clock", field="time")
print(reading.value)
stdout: 12:28:18
